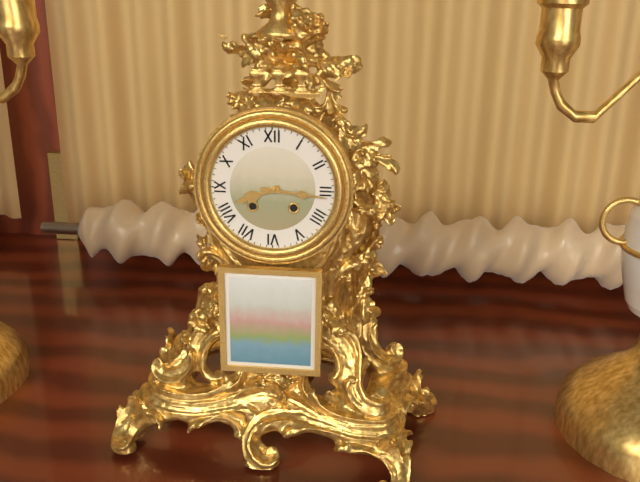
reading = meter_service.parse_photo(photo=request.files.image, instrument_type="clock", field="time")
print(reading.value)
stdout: 8:16
